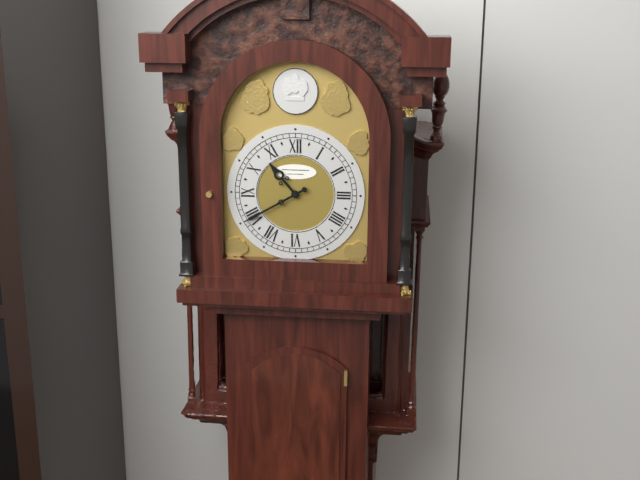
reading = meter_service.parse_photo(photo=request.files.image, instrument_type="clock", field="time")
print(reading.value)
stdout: 10:40
